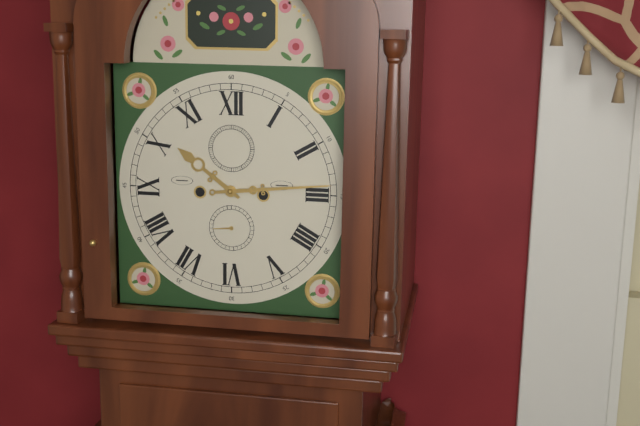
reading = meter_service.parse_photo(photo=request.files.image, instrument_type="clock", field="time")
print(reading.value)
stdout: 10:14
